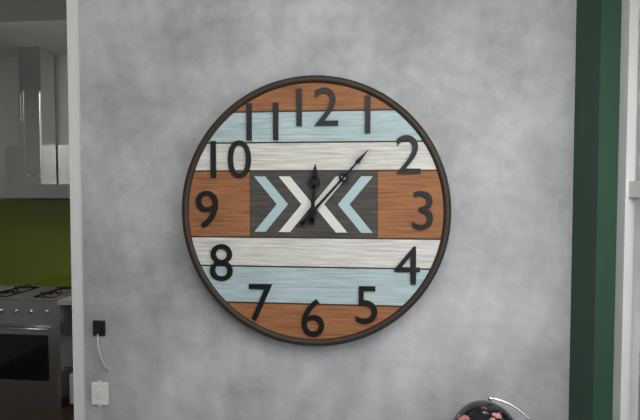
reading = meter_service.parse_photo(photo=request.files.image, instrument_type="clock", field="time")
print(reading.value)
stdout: 12:07
